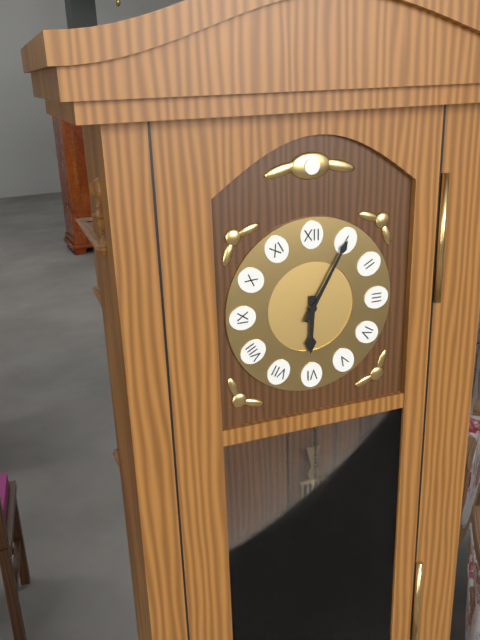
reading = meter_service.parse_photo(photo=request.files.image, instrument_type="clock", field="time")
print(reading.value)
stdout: 6:05
